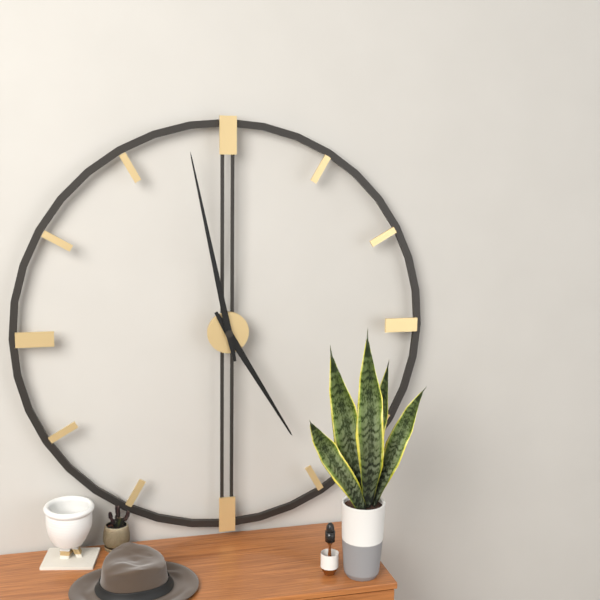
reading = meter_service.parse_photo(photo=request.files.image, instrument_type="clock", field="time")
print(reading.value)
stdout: 4:58
